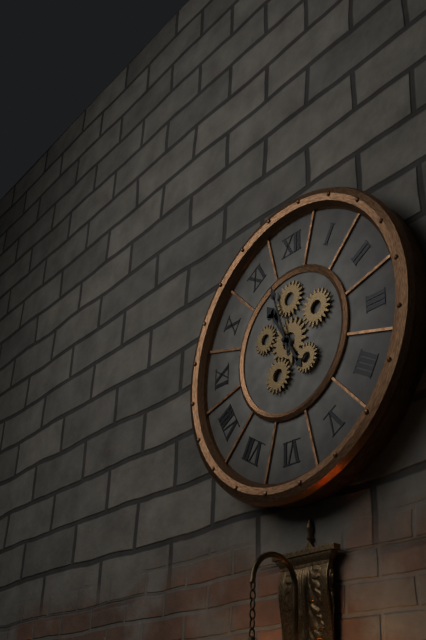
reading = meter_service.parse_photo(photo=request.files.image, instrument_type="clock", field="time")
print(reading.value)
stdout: 10:57
